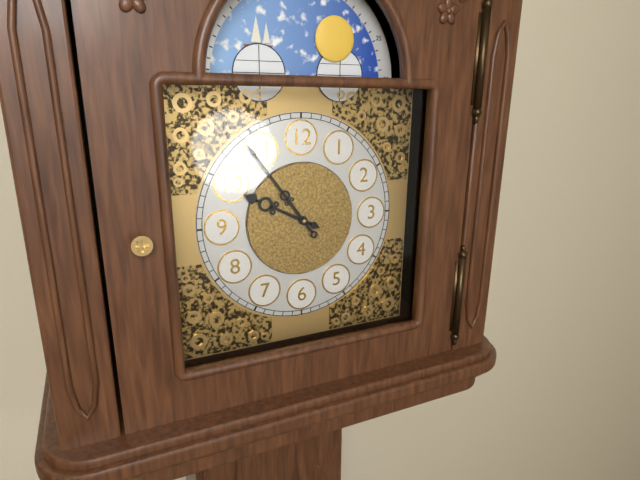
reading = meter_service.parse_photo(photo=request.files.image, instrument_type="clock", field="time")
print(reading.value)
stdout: 9:54
